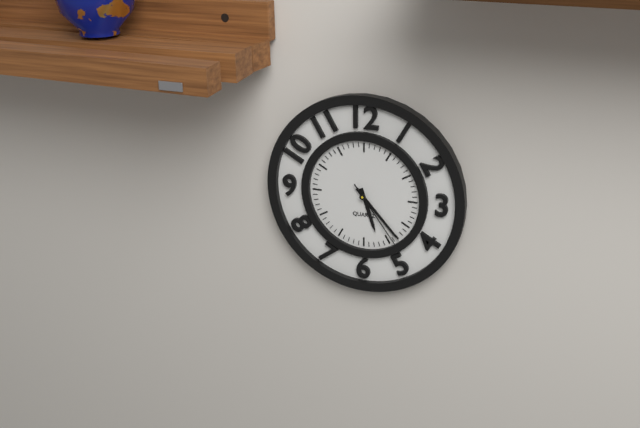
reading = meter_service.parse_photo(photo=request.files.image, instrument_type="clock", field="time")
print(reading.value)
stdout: 5:23:24
